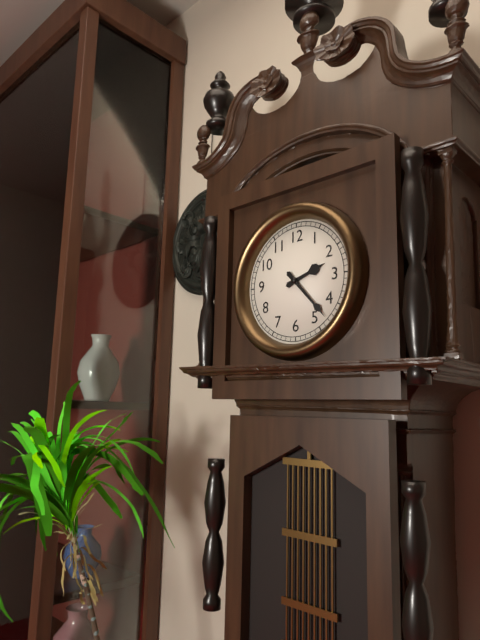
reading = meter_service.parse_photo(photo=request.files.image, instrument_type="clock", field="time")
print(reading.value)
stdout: 2:23
